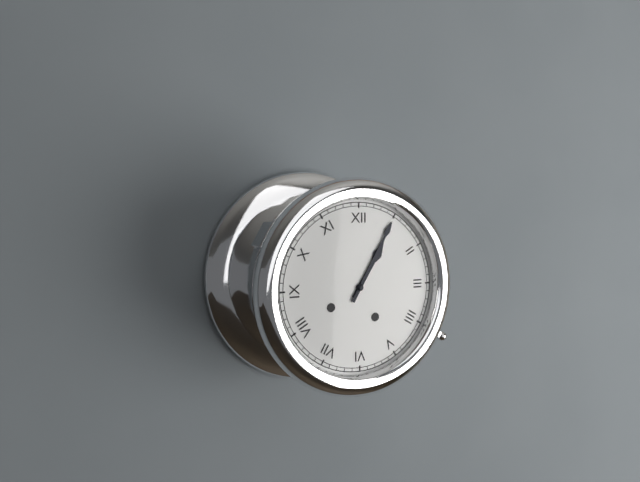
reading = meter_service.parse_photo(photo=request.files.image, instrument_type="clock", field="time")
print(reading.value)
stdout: 1:05
